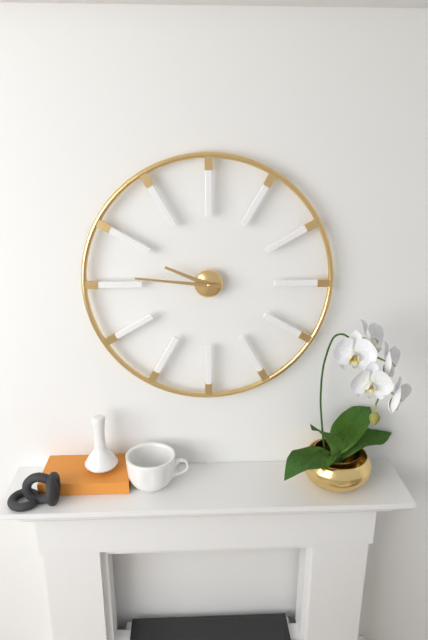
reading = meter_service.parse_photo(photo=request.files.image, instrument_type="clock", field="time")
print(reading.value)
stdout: 9:46
